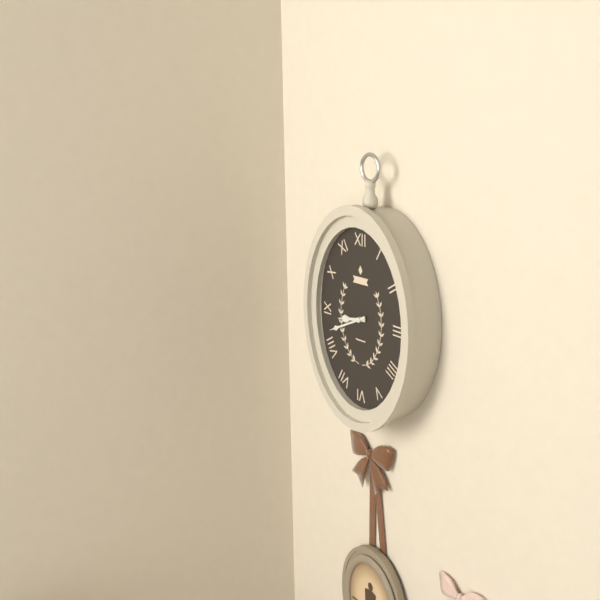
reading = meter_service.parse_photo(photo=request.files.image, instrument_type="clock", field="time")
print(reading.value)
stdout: 8:41
